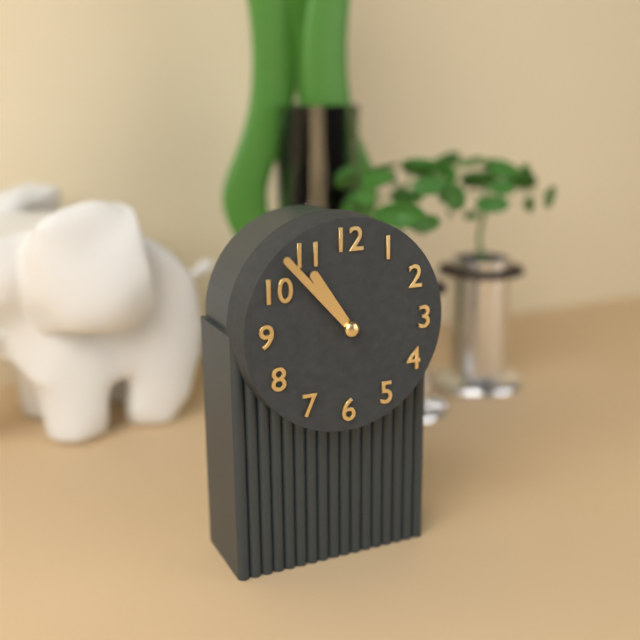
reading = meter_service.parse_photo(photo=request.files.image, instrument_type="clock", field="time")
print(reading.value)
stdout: 10:53
